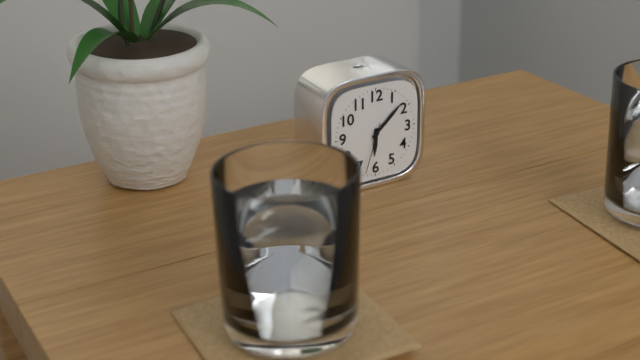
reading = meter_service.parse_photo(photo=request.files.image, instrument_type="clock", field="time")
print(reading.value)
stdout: 6:08:33
